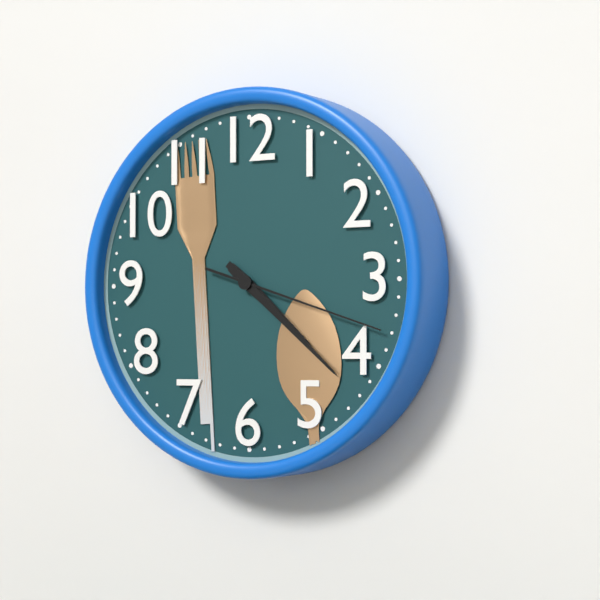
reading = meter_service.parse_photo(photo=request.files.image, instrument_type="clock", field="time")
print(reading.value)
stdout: 4:22:18
